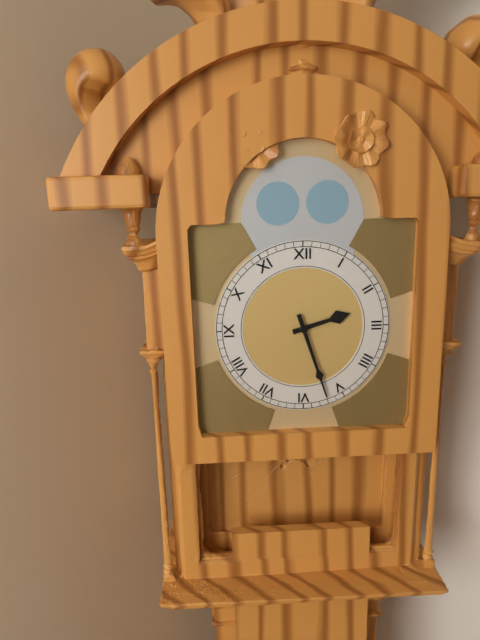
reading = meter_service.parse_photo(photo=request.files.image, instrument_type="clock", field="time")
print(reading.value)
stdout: 2:27
